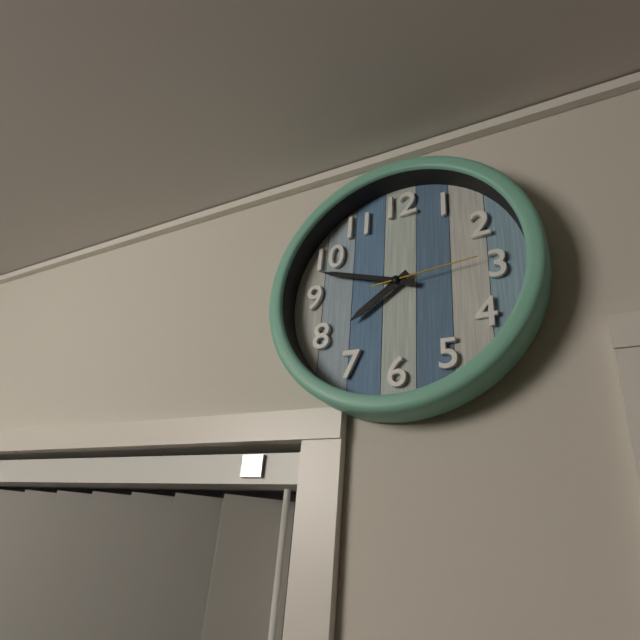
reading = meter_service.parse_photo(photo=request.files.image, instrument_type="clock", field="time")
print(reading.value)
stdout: 7:48:14
